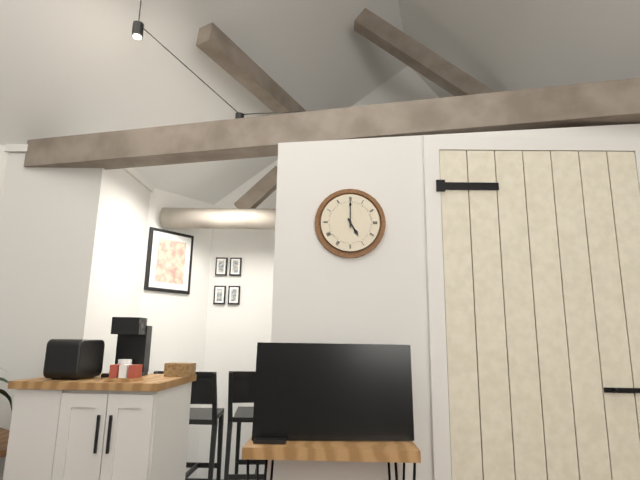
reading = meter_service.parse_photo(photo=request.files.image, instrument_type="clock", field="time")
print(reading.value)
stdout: 5:00
